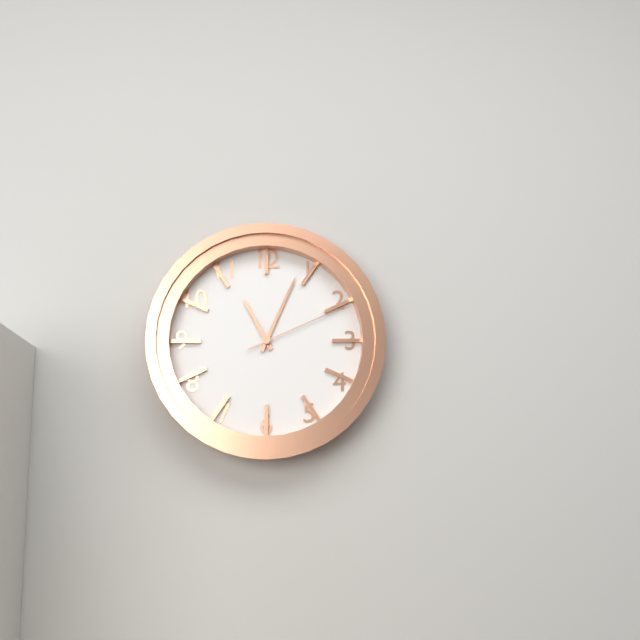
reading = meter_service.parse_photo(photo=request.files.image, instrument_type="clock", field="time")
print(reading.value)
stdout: 11:04:11
